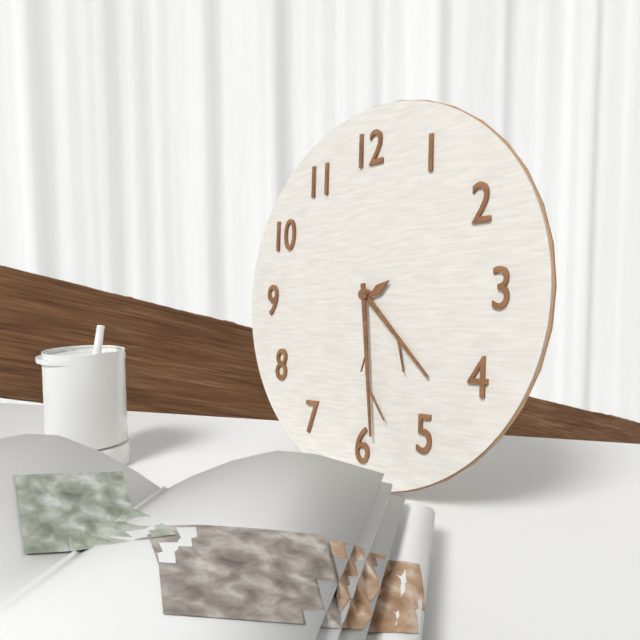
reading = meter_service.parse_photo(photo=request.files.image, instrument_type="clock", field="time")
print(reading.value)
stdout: 4:29
